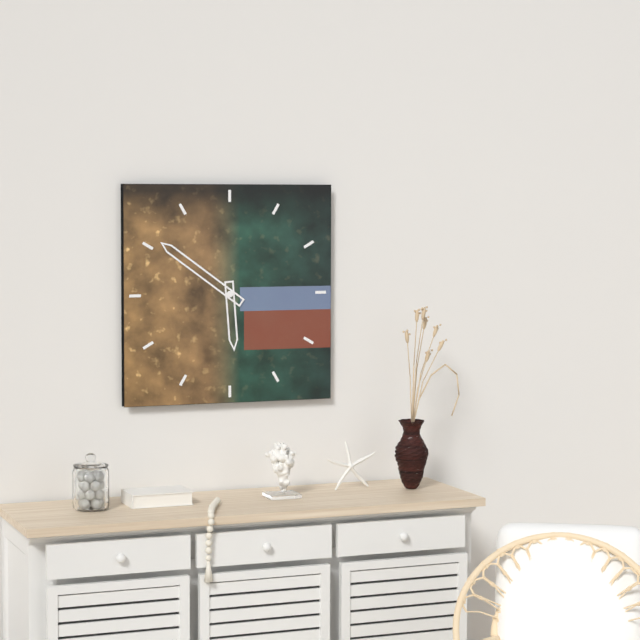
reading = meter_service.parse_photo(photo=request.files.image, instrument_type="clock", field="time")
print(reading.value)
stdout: 5:51
